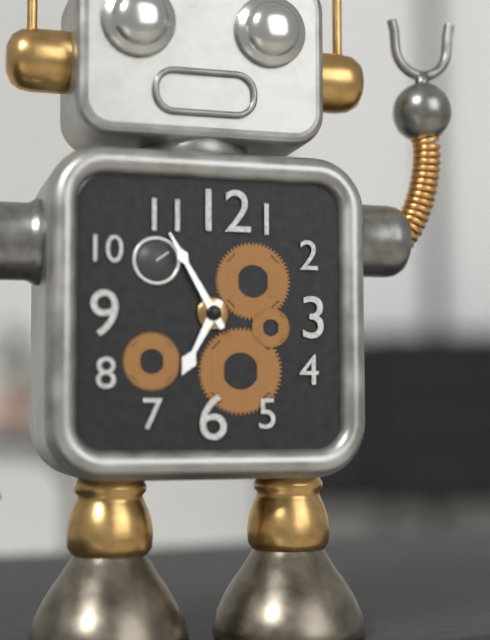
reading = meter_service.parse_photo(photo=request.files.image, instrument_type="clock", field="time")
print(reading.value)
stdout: 6:55
